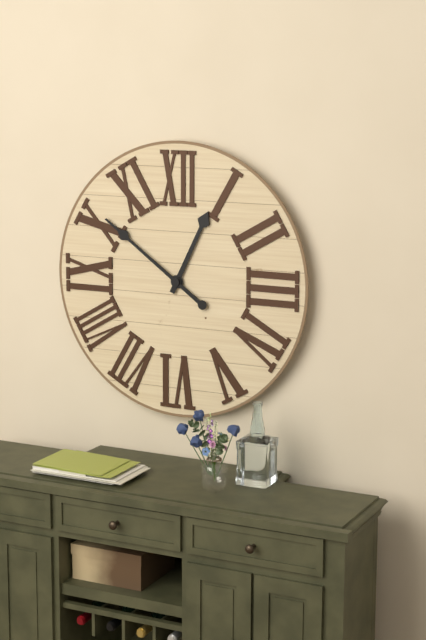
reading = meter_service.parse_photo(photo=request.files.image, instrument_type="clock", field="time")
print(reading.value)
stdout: 12:51
